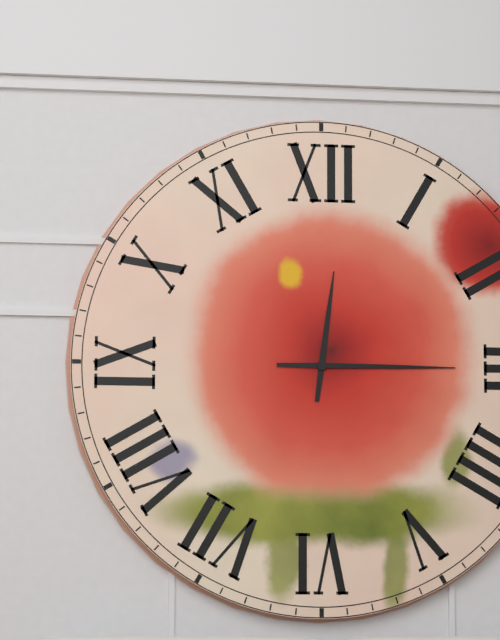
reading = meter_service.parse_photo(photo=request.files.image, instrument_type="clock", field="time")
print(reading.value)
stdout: 12:15
